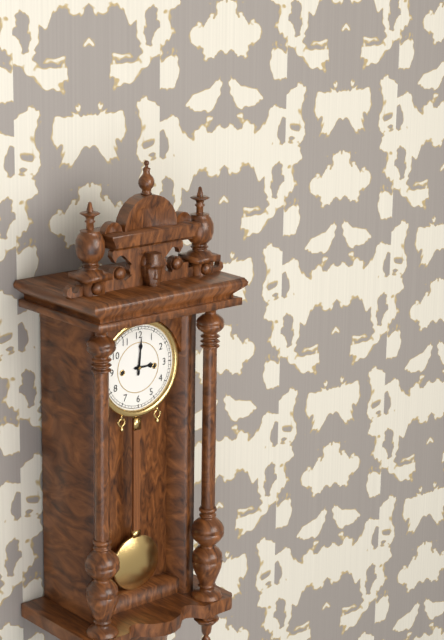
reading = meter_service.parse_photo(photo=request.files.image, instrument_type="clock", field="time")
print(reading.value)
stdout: 3:01
